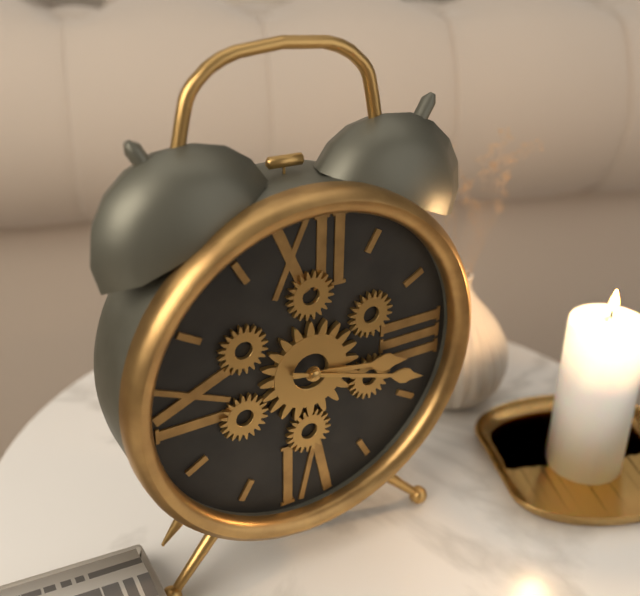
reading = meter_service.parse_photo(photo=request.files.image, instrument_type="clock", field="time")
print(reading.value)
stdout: 3:18
